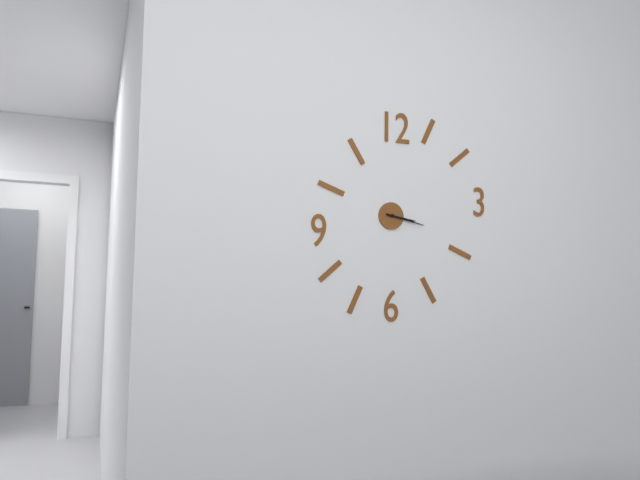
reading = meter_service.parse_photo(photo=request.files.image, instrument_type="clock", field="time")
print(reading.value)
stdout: 3:17
